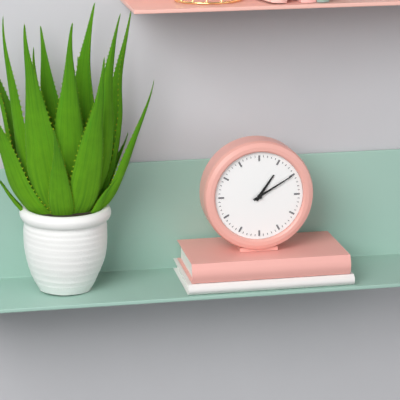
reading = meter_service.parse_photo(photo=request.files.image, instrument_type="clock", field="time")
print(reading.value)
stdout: 1:10
